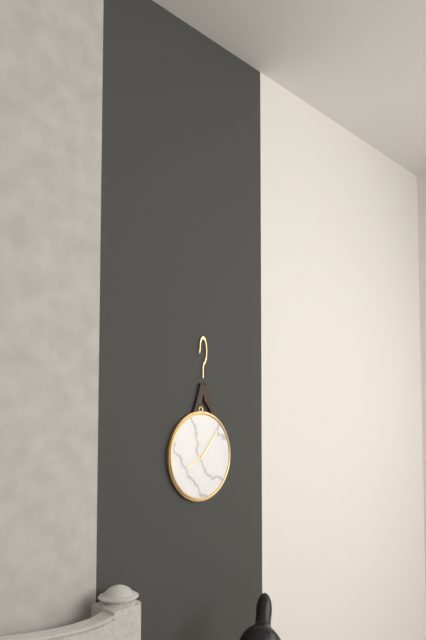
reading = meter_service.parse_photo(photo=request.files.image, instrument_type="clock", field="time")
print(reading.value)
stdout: 8:07
